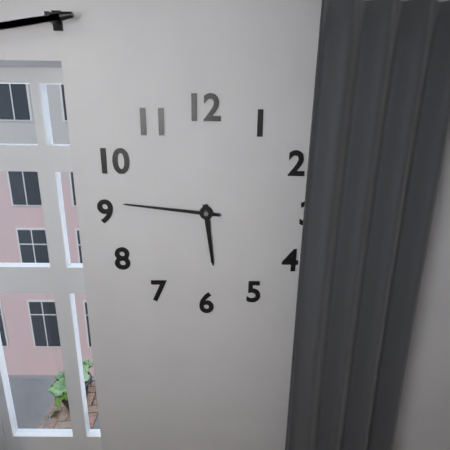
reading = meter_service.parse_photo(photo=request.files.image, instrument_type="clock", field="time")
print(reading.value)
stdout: 5:46
